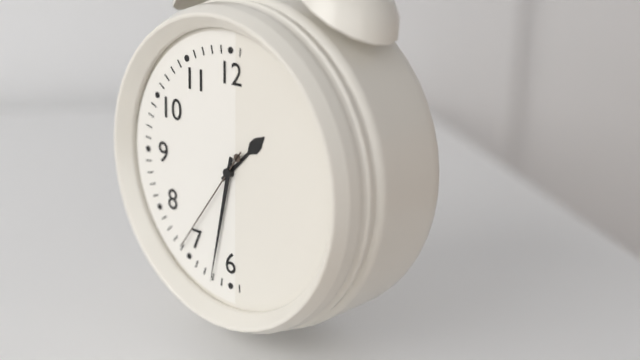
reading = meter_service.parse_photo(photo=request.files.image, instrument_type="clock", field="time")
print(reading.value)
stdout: 1:32:36
